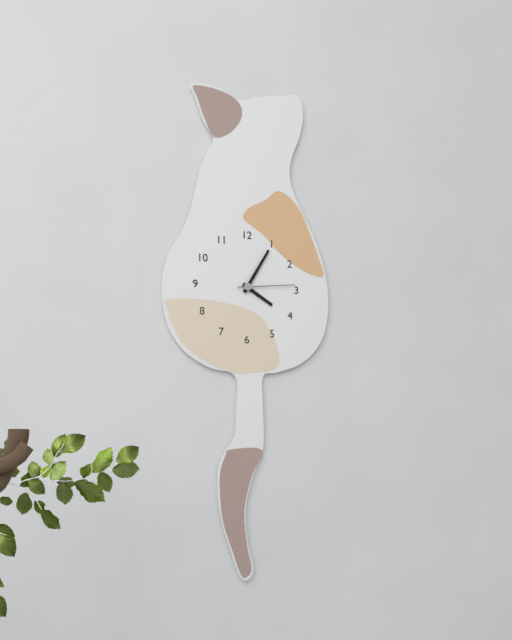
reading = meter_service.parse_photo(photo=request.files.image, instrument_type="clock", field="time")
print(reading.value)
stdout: 4:05:14
